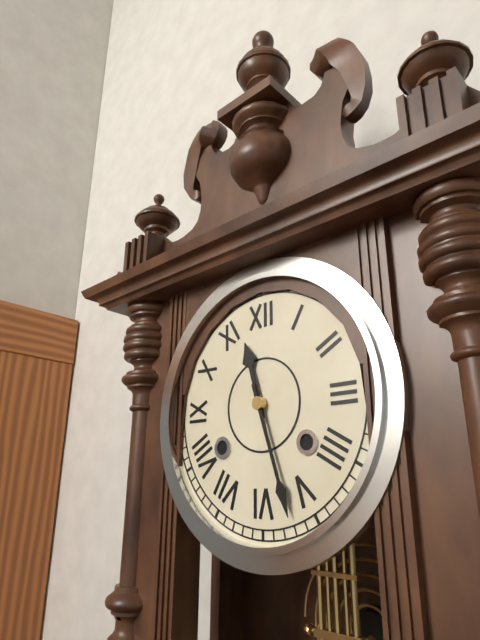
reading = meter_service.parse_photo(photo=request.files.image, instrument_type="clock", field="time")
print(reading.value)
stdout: 11:27
